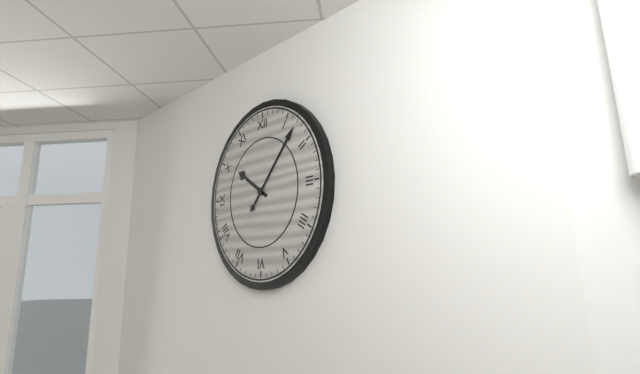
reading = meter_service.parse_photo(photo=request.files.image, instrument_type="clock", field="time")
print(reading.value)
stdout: 10:07
